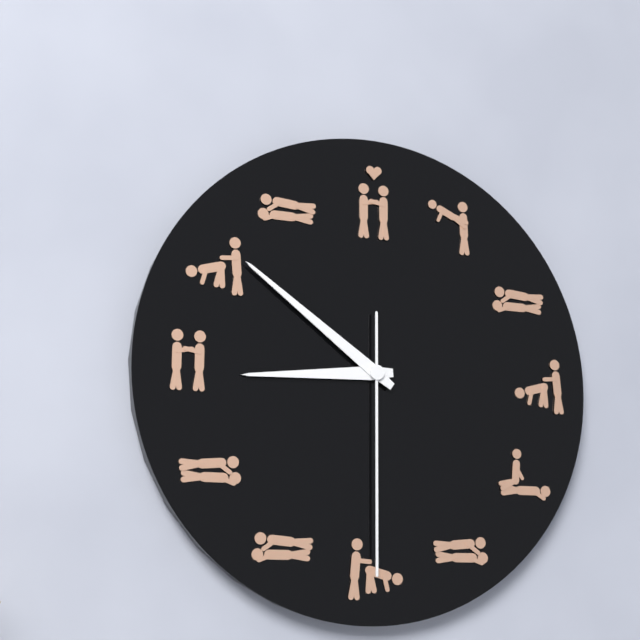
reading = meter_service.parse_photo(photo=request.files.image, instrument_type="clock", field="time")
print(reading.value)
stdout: 8:51:30
